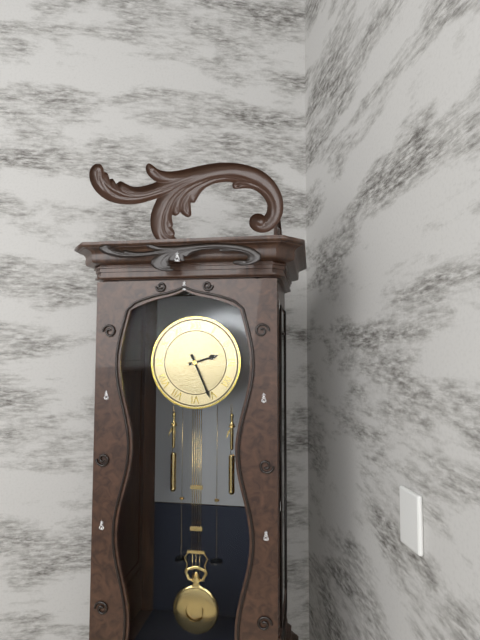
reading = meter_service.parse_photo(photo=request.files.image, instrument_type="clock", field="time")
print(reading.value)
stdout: 2:26
